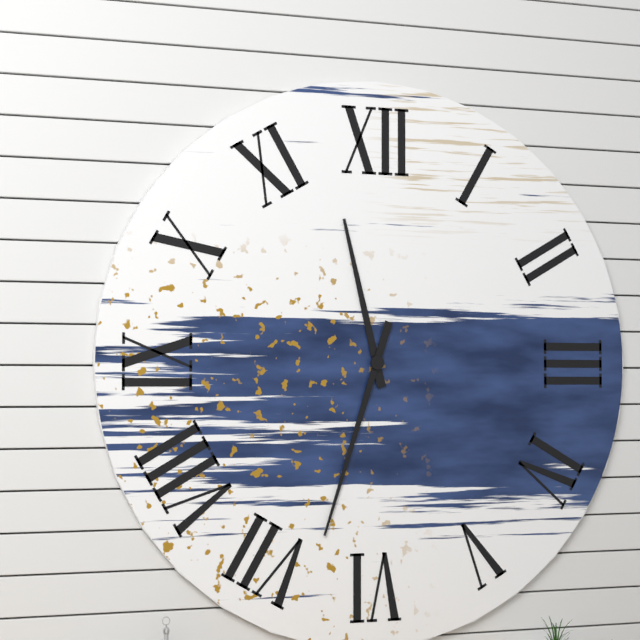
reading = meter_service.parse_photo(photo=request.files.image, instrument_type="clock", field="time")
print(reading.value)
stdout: 11:33
